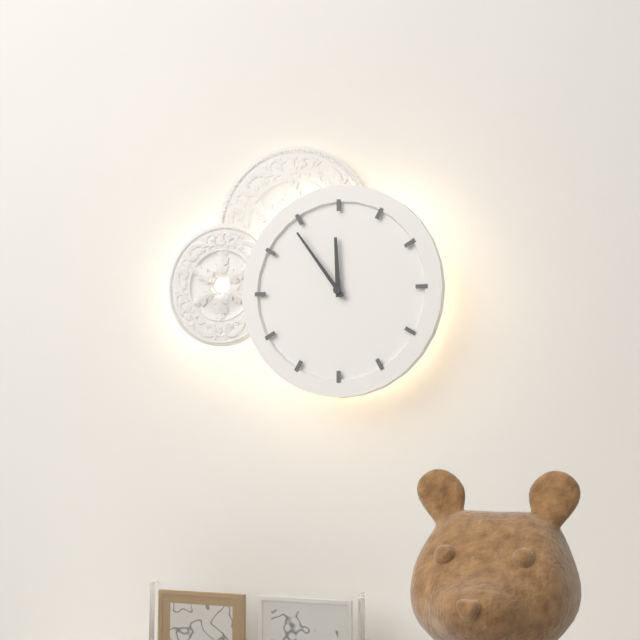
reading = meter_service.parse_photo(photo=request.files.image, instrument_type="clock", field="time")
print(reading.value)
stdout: 11:54
